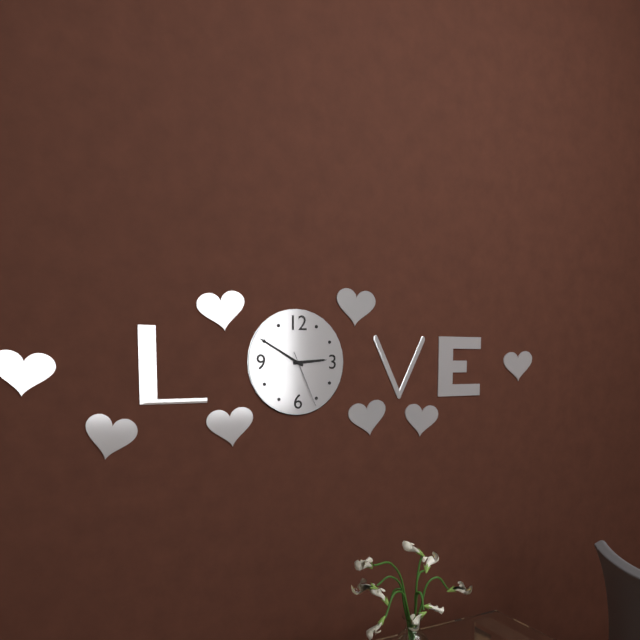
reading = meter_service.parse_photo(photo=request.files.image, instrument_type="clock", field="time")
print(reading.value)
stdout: 2:50:26
